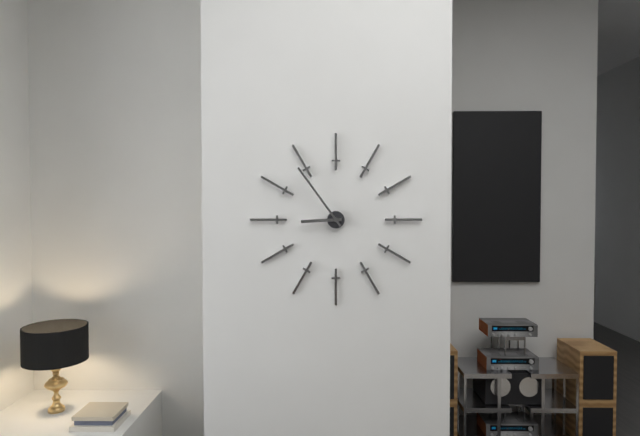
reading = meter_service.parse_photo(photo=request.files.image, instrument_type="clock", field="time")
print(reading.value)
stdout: 8:54
